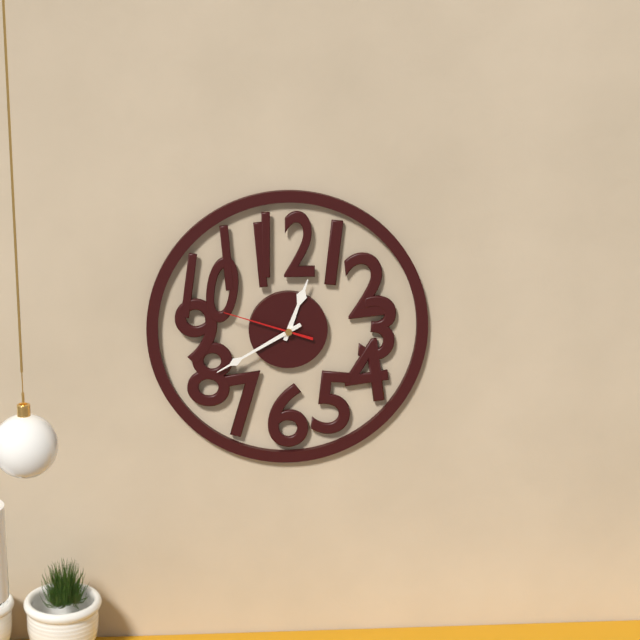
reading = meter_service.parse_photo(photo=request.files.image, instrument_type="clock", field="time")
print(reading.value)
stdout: 12:40:48
